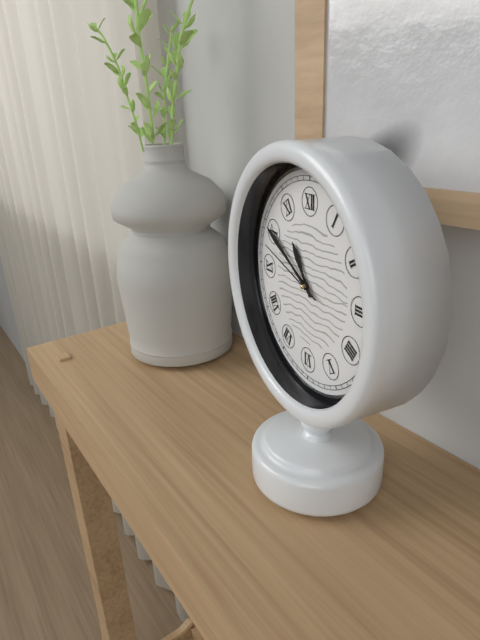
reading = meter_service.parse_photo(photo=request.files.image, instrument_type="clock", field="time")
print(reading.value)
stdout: 10:50:48
